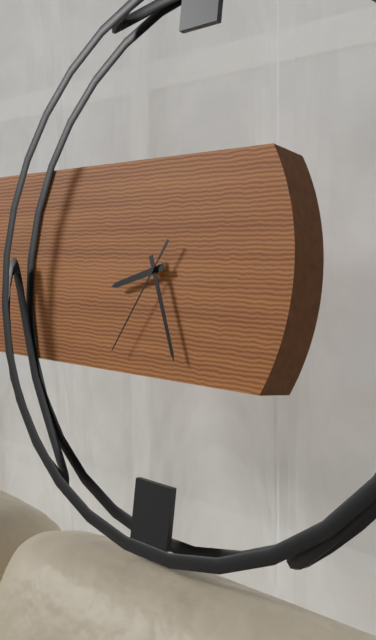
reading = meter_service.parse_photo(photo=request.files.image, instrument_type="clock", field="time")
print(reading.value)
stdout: 8:26:35
